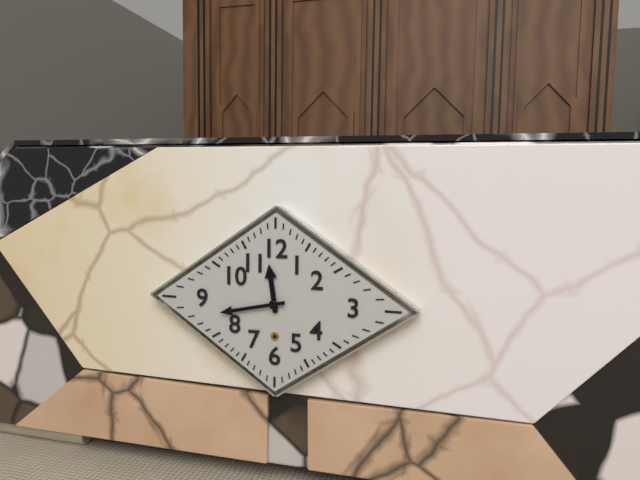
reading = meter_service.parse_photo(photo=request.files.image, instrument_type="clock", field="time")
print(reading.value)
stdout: 11:43
